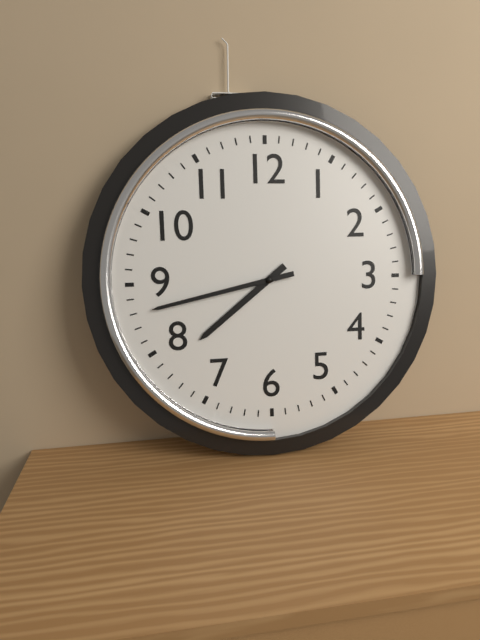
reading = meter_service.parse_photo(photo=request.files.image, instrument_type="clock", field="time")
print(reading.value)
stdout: 7:43
